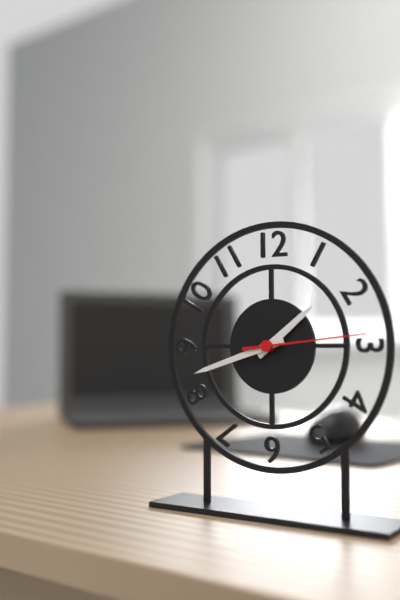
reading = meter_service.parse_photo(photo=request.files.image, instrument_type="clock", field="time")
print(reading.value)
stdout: 1:42:14
